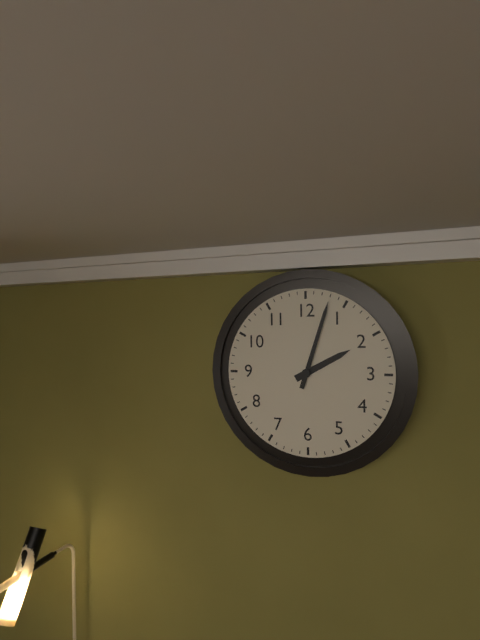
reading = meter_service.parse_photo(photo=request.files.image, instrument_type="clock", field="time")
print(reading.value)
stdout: 2:03
